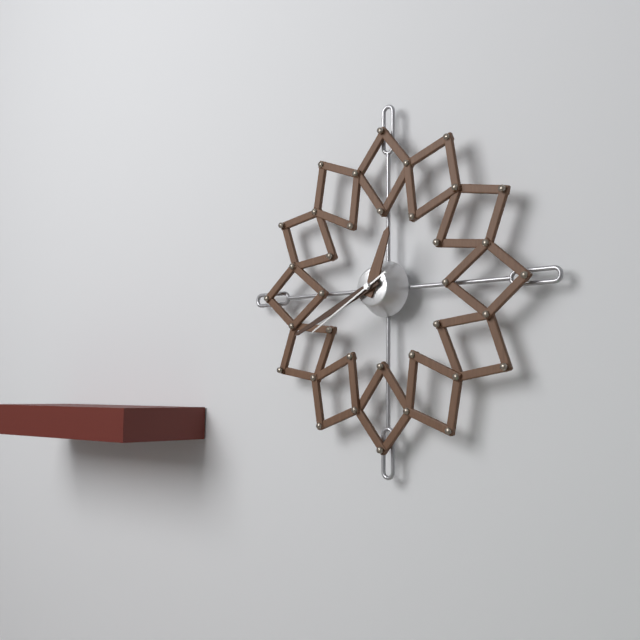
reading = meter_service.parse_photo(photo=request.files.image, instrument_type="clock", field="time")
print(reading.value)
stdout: 12:41:40
